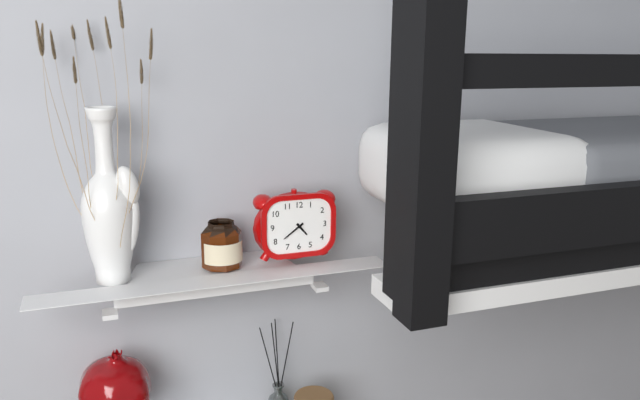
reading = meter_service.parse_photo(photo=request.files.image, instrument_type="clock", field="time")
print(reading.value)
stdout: 4:39
